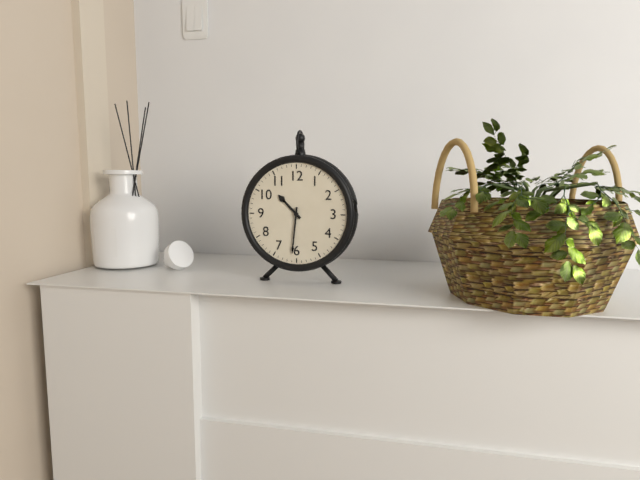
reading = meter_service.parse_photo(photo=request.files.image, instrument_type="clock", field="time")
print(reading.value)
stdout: 10:31
